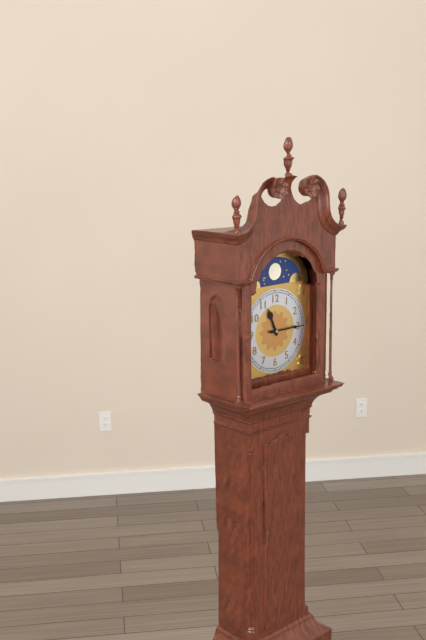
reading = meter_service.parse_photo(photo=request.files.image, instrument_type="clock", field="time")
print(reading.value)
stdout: 11:15
